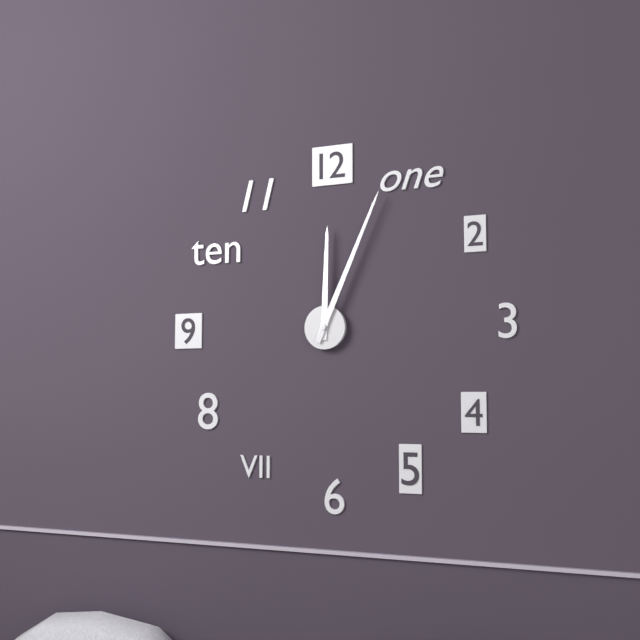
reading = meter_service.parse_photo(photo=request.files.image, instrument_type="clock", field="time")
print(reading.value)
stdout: 12:04
